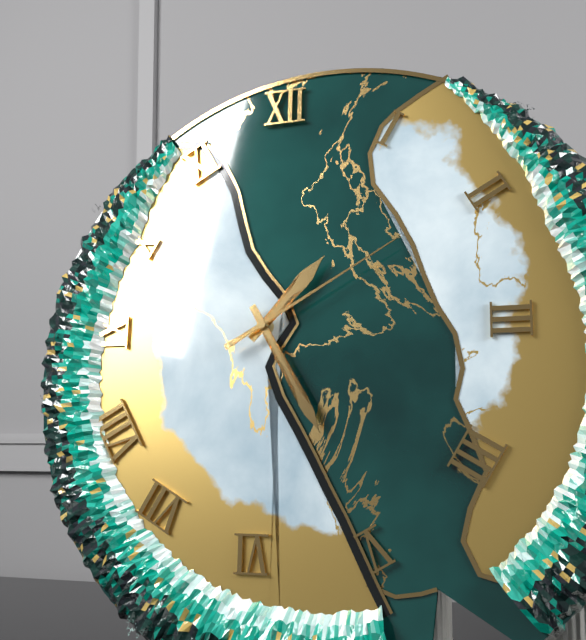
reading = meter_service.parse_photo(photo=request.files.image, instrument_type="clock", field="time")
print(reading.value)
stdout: 1:25:10
